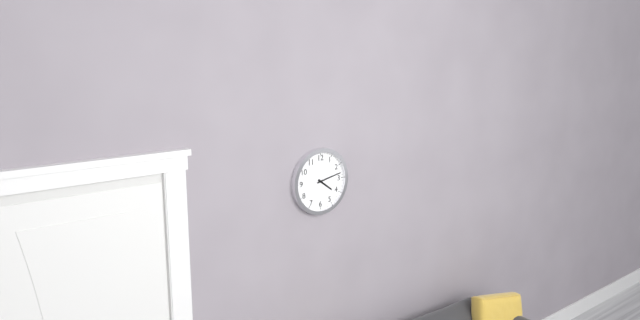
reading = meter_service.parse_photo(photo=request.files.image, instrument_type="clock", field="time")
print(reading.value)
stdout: 4:13
